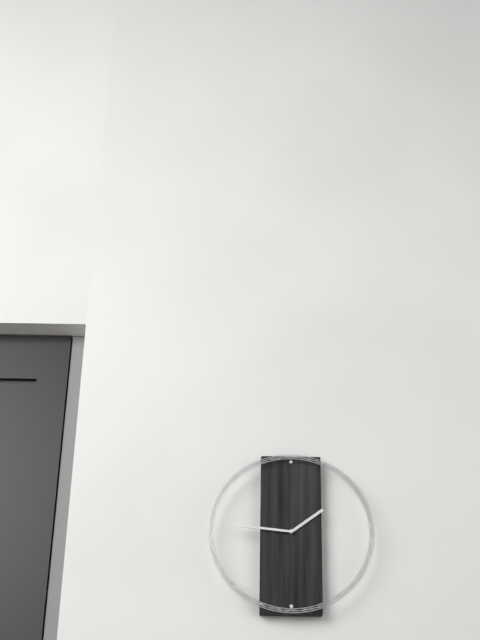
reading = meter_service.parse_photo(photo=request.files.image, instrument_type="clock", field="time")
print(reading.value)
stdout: 1:46
